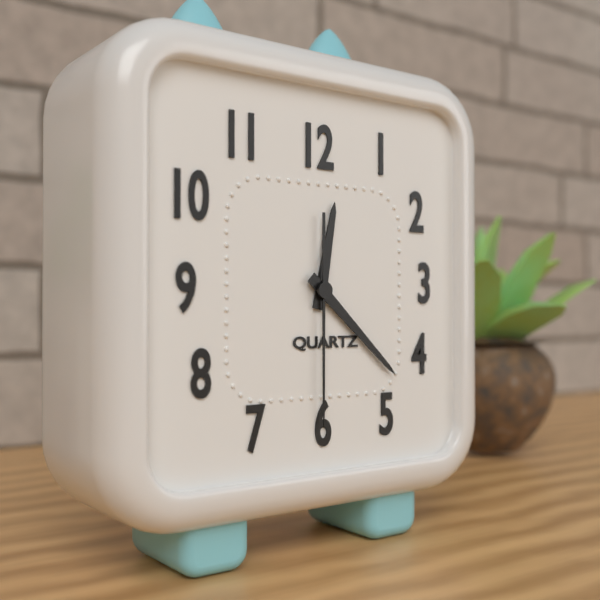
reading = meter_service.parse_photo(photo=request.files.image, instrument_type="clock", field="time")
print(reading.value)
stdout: 12:22:30
